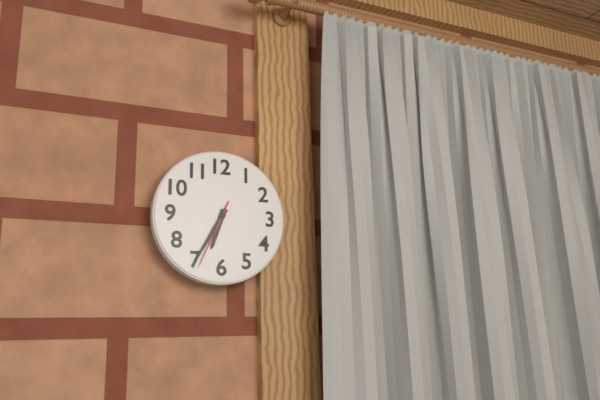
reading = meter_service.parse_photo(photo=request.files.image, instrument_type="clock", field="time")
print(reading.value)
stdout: 6:35:34
